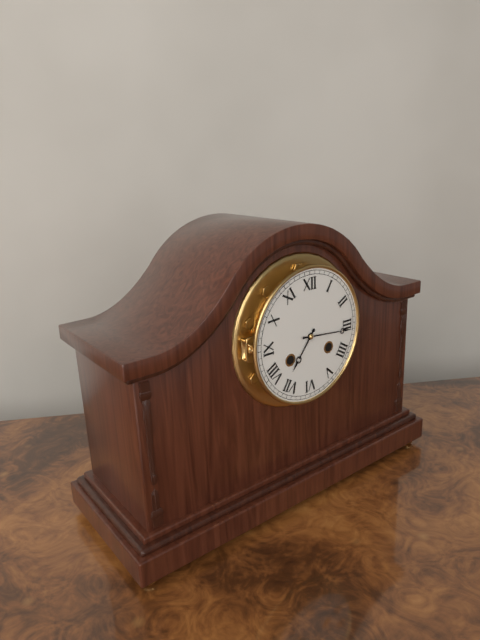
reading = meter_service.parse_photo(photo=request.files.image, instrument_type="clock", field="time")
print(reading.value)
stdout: 7:16
